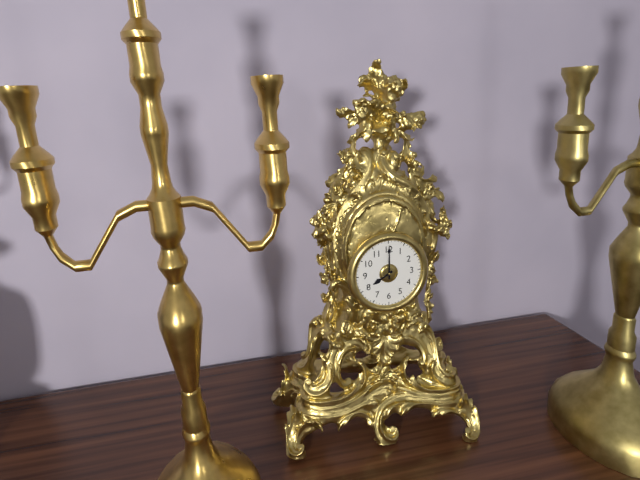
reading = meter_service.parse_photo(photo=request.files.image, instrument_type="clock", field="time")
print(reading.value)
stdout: 8:00
